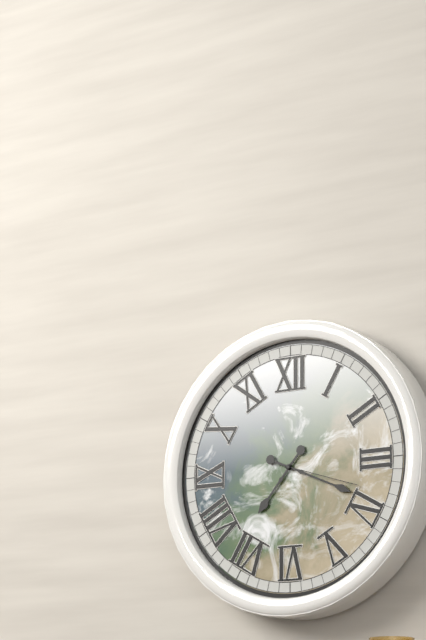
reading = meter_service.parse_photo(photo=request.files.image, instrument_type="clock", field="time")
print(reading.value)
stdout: 7:19:18
